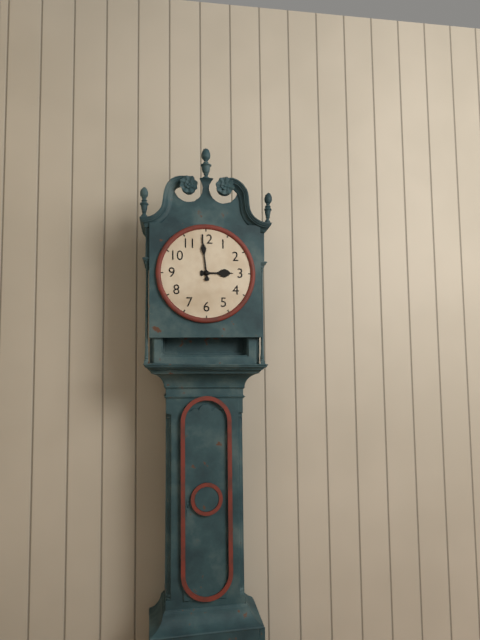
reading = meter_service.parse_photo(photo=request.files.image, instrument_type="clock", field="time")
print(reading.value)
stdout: 2:59
